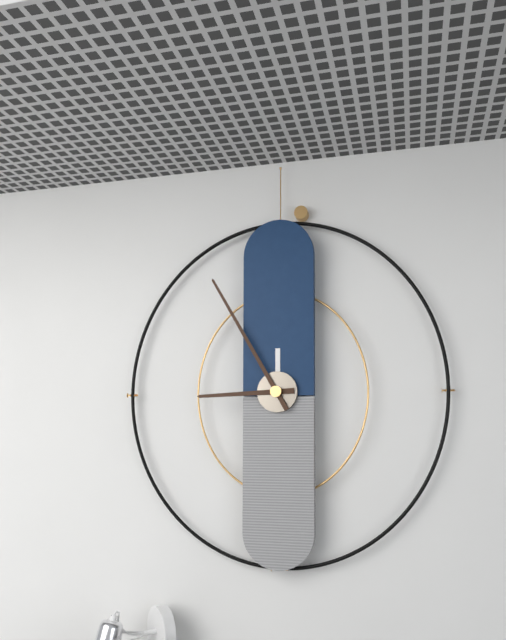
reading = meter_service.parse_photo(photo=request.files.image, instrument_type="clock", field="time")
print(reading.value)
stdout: 8:55
